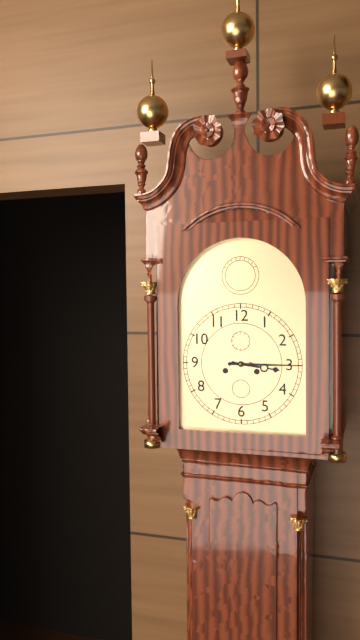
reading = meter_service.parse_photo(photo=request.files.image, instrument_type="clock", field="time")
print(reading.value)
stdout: 3:15
